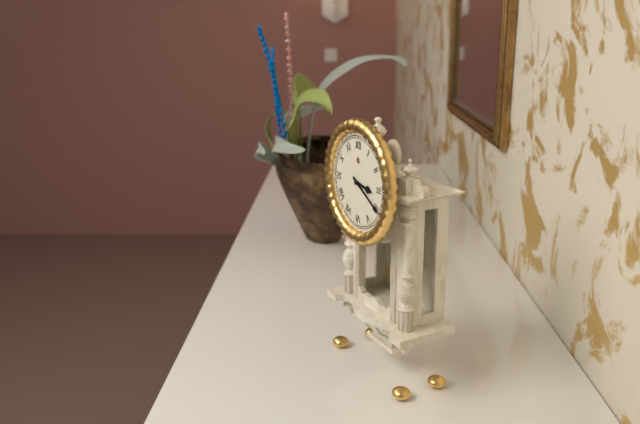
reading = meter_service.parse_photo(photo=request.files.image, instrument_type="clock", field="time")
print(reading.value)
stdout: 3:20
